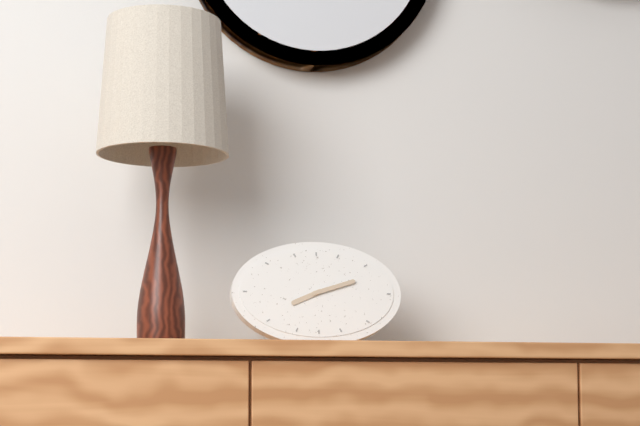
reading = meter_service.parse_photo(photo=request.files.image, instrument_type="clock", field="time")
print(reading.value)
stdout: 8:12
